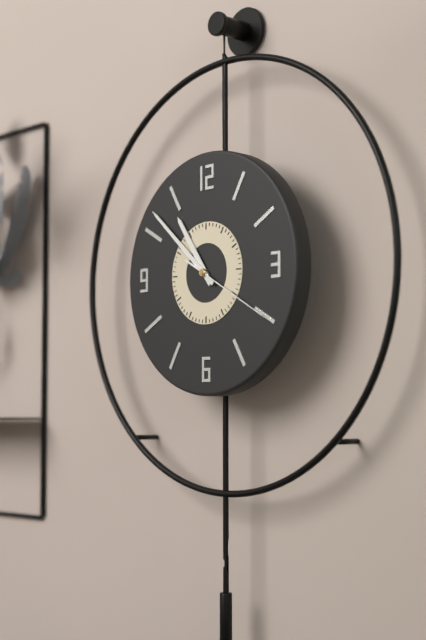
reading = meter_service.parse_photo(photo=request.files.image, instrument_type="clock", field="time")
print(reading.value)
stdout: 10:52:20
